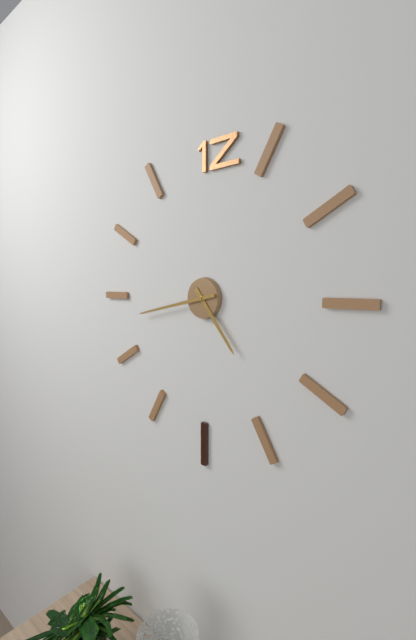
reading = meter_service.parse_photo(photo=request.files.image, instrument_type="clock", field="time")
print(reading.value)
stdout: 4:43
